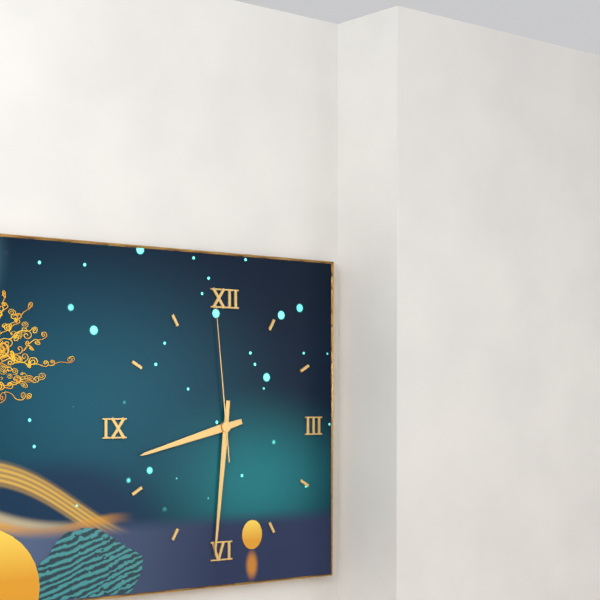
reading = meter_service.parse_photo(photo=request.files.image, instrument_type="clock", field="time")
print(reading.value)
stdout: 8:31:59
